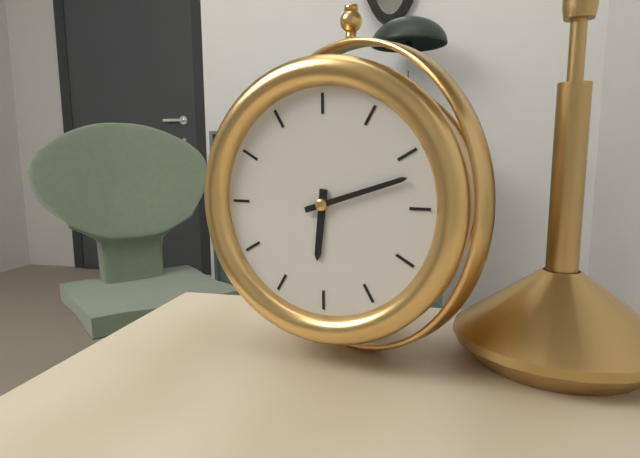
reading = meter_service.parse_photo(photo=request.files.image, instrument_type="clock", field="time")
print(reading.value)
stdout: 6:12
